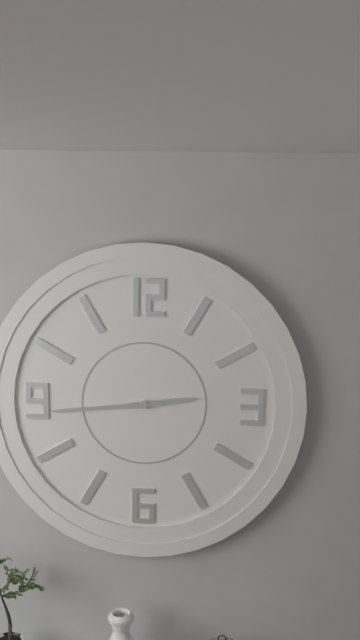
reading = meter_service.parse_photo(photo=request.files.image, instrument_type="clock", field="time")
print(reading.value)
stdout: 2:44
